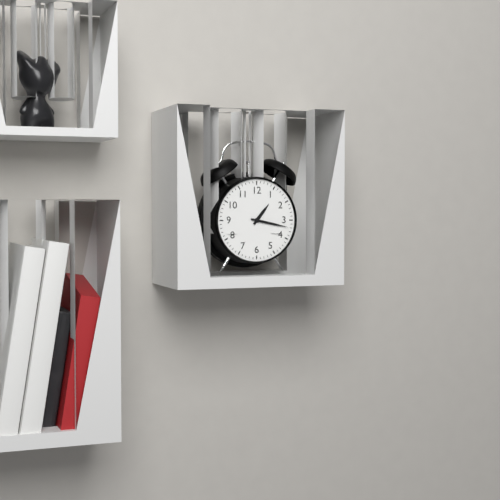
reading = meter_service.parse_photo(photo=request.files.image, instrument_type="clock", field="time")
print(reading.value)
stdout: 1:17
